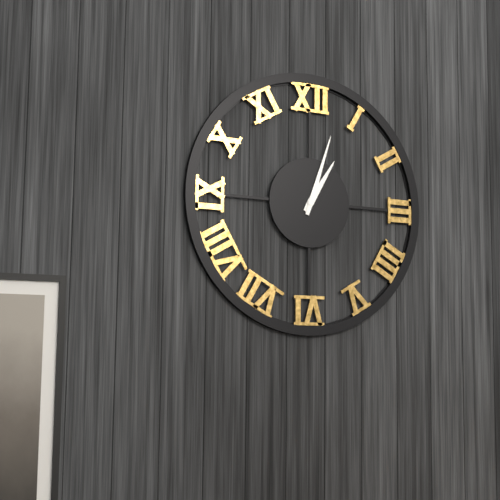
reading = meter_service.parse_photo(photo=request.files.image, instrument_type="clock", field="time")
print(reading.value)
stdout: 1:03
